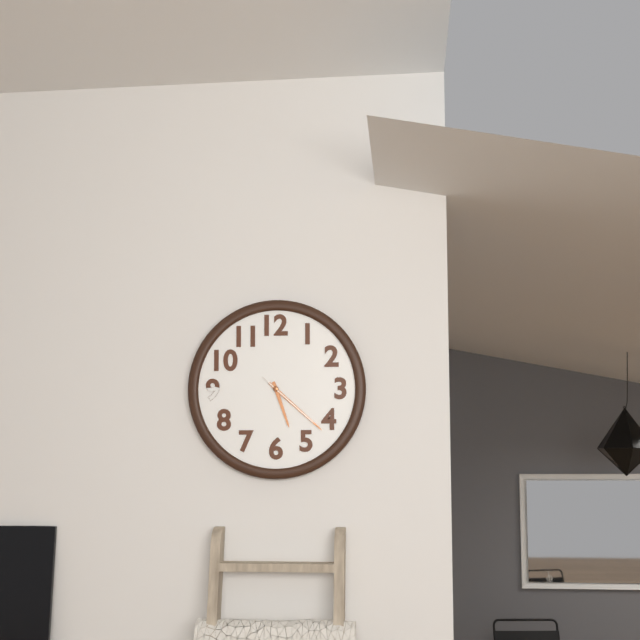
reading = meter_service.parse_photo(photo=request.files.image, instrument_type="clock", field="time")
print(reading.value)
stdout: 5:22:22
